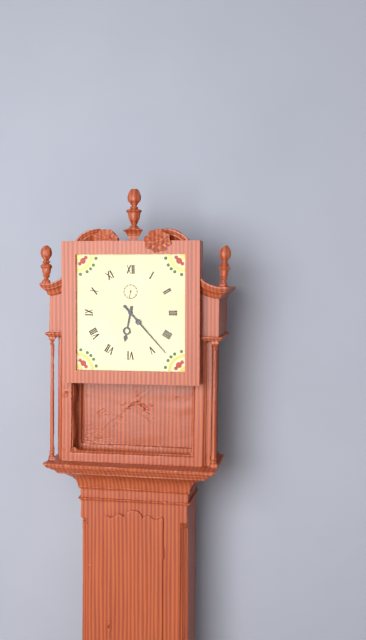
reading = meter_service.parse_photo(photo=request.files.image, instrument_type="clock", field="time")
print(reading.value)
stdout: 6:23
